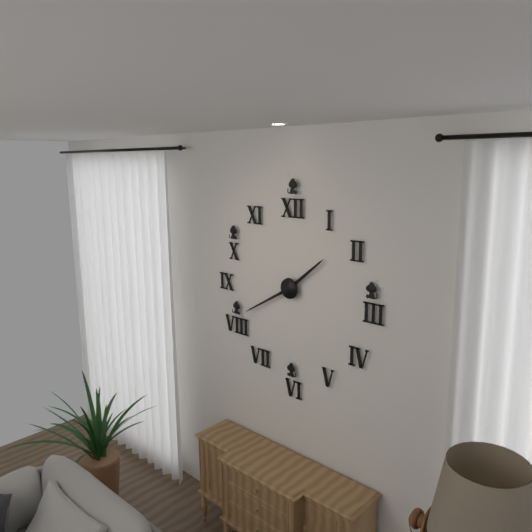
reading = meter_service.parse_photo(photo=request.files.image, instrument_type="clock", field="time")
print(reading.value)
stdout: 1:40
